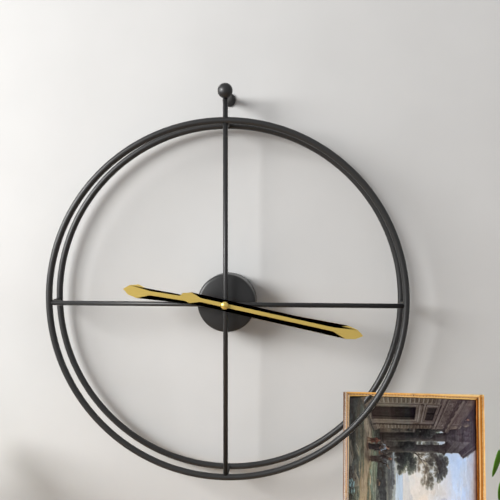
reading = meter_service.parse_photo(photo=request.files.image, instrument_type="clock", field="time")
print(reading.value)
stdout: 9:17
